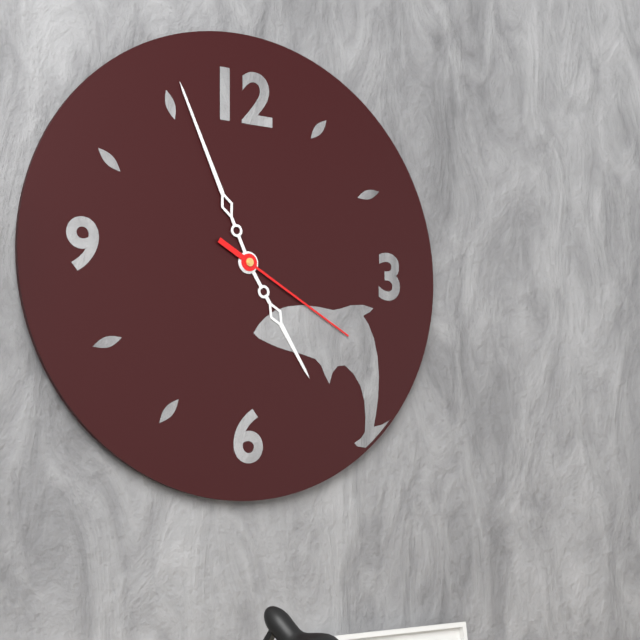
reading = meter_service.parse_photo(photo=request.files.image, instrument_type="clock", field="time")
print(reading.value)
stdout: 4:56:20
